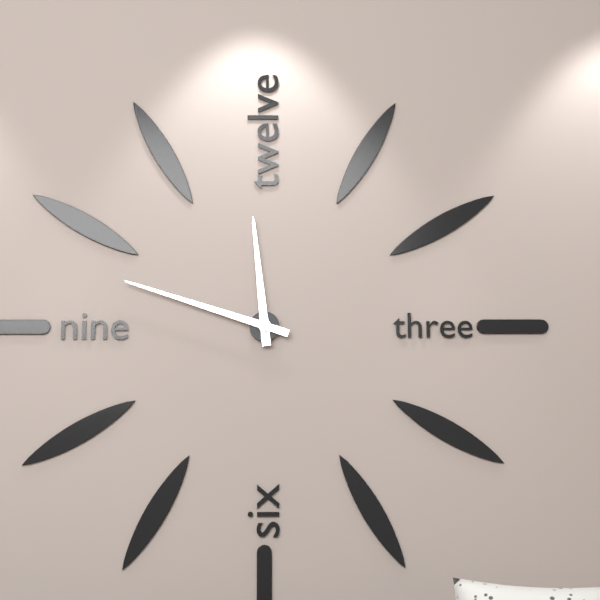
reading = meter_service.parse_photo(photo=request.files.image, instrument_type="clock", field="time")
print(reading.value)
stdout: 11:48
